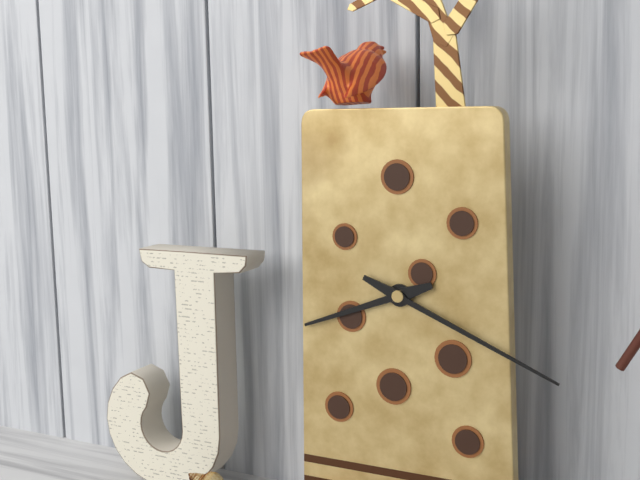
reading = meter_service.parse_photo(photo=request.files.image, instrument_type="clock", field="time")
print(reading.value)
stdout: 8:19
